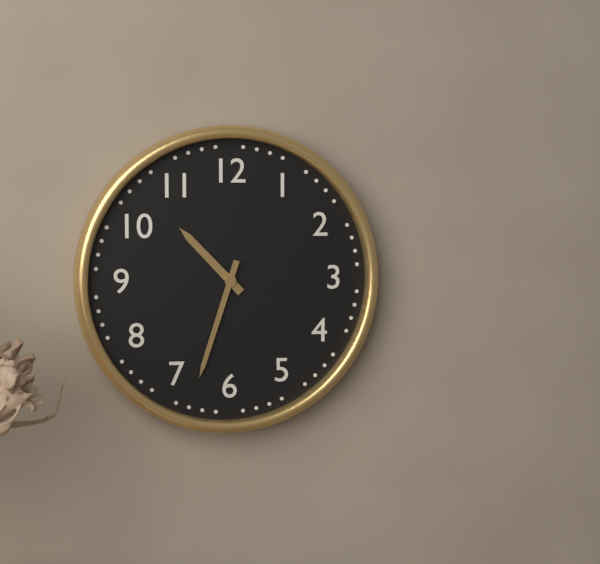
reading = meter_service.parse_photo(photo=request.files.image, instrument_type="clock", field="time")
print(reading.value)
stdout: 10:33
